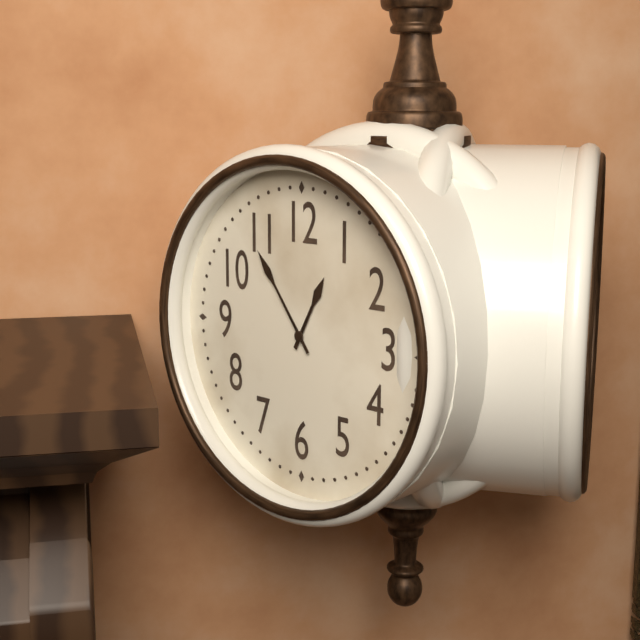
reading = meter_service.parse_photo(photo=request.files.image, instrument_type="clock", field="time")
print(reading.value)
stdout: 12:54
